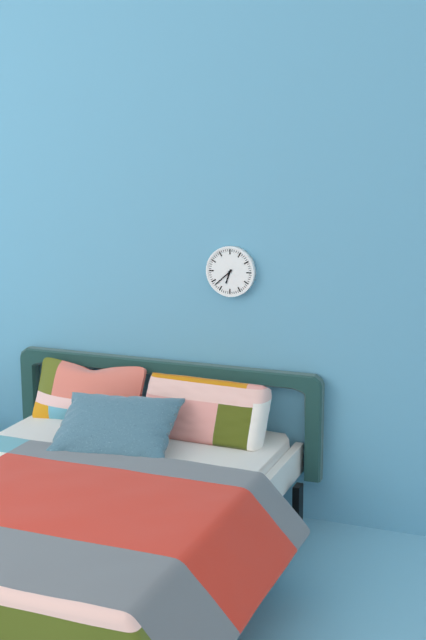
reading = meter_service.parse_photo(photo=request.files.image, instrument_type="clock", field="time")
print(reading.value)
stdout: 6:38
